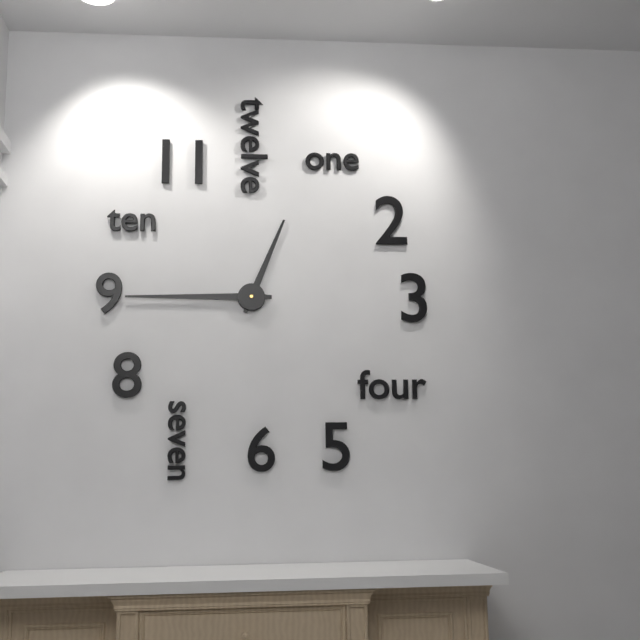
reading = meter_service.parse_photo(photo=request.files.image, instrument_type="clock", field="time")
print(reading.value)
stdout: 12:45
